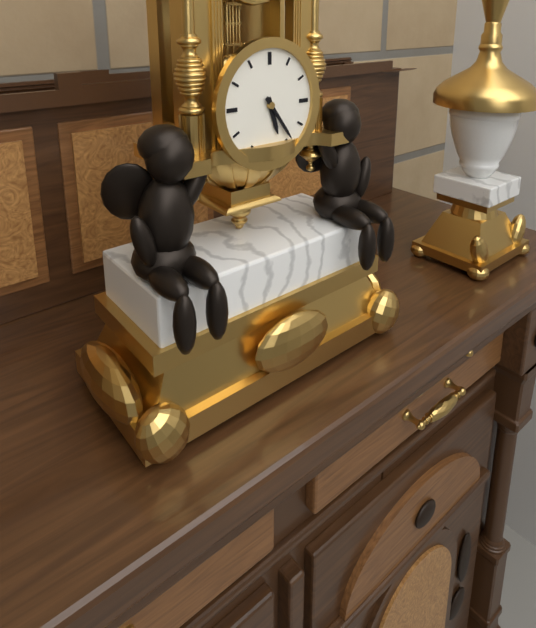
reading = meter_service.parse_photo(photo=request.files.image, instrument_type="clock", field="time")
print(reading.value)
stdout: 5:24
